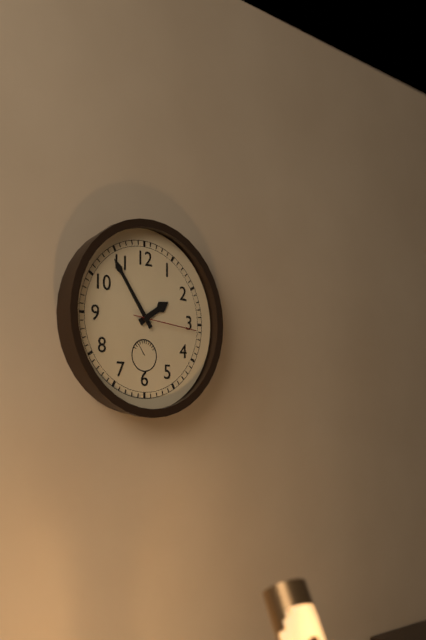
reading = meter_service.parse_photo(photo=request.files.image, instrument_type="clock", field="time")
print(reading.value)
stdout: 1:54:16
